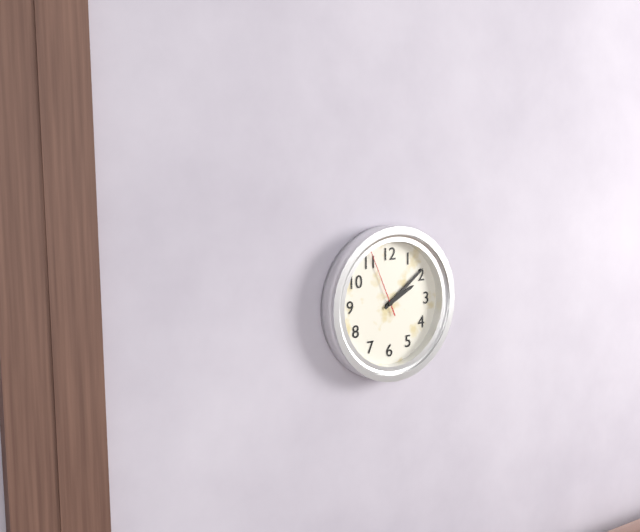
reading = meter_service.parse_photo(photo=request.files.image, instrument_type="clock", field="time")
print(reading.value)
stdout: 2:09:56
